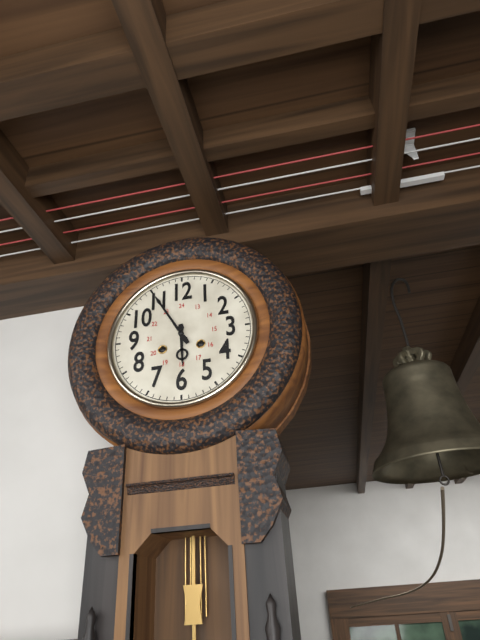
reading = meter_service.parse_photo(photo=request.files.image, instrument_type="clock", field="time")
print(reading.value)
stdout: 5:55
